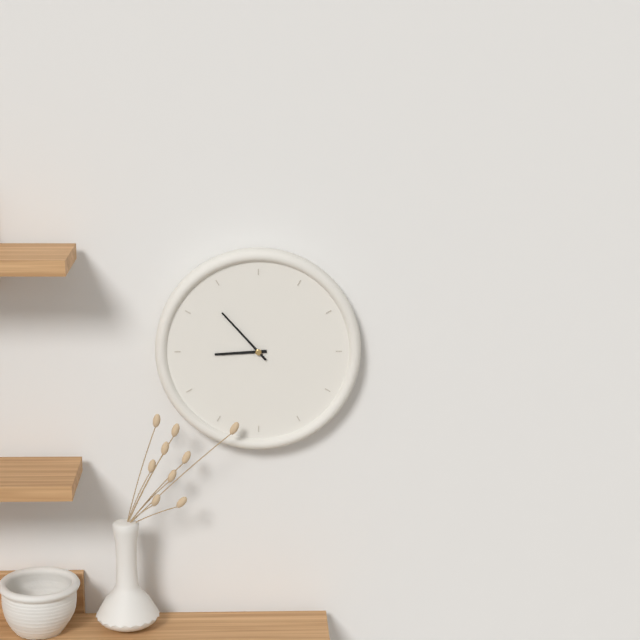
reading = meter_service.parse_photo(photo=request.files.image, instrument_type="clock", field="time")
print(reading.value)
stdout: 8:53
